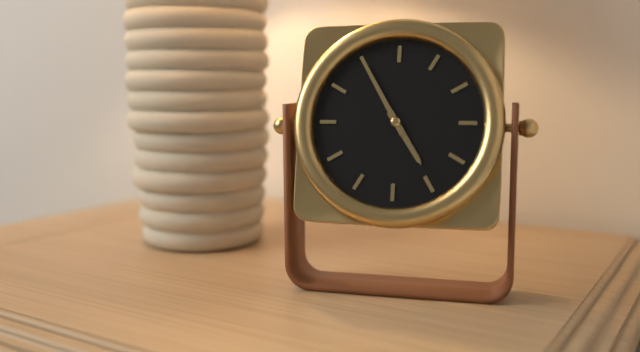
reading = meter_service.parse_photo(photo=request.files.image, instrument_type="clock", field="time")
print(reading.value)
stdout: 4:55
